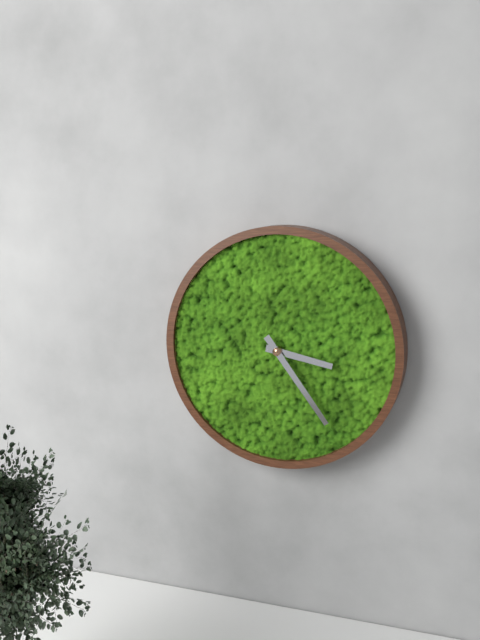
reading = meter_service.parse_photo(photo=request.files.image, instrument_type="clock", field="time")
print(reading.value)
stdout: 3:24
